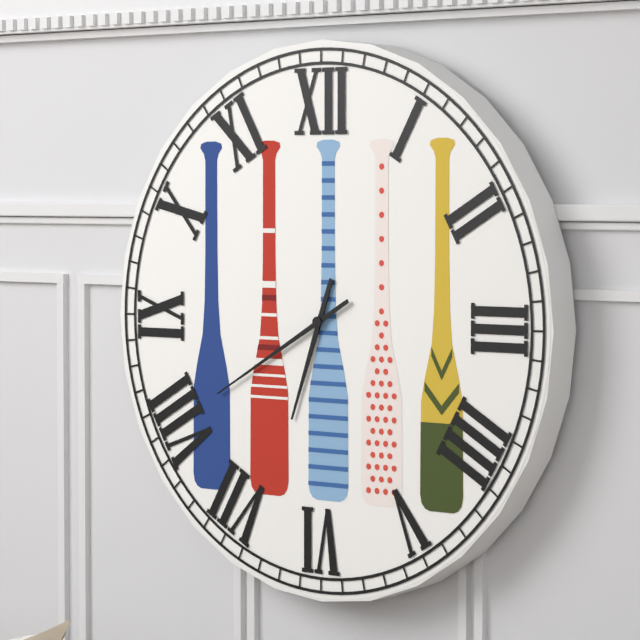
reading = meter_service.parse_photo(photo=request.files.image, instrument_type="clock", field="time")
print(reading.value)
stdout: 6:40
